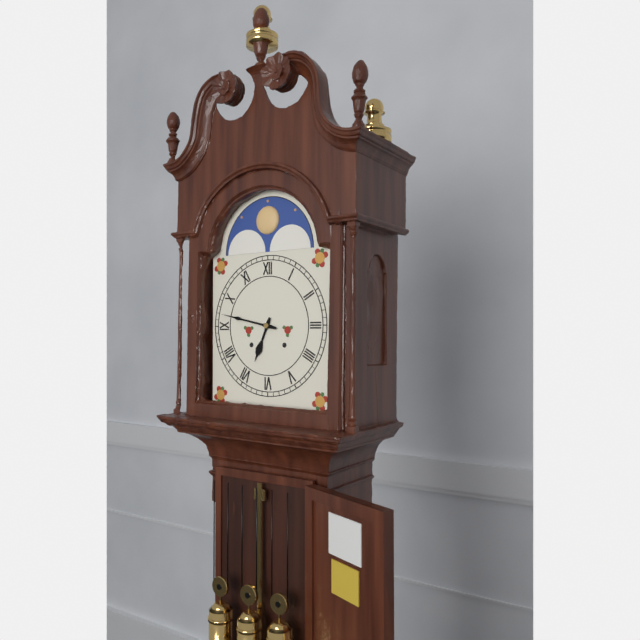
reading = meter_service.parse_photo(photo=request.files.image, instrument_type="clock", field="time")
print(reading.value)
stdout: 6:47
